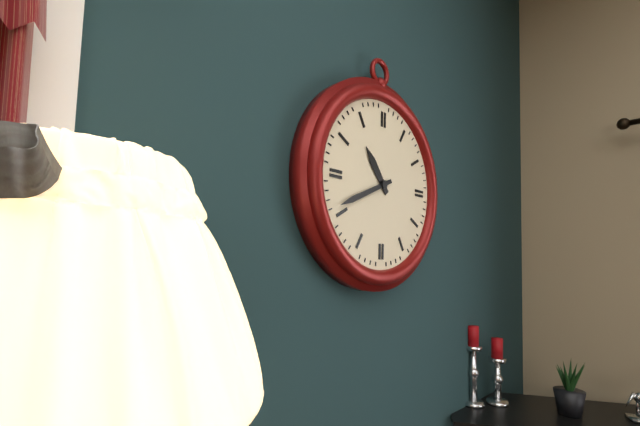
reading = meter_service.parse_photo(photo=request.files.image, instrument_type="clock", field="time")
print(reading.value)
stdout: 10:41
